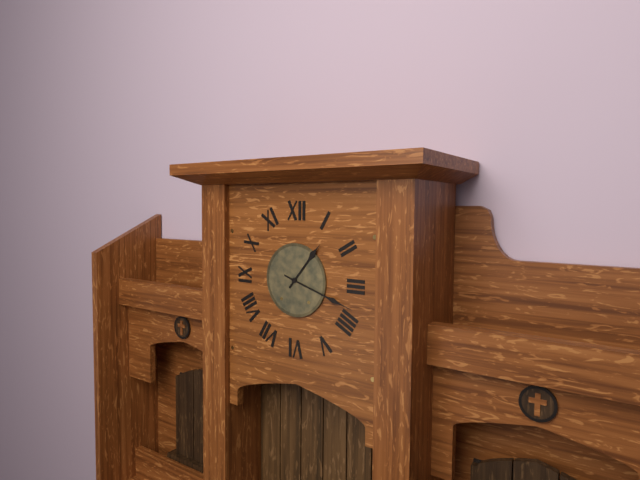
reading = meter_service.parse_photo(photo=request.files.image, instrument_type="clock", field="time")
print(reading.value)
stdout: 1:18
